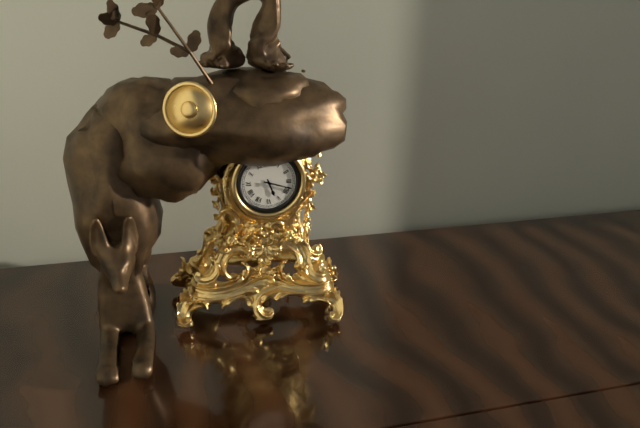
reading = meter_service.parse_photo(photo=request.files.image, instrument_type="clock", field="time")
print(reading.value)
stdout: 5:18
